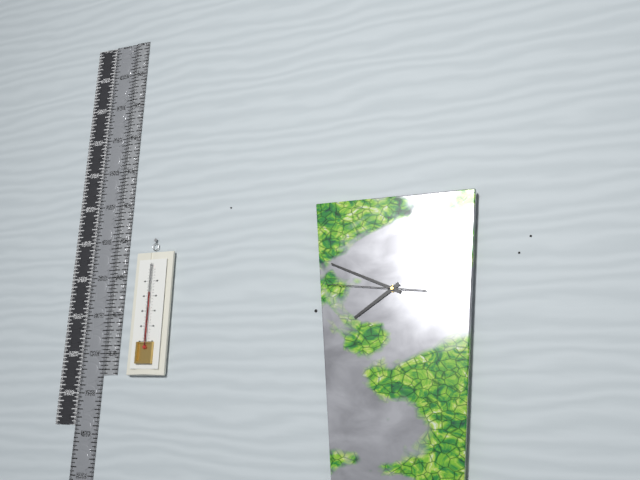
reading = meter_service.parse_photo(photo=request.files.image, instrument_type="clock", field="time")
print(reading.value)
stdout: 7:49:46
